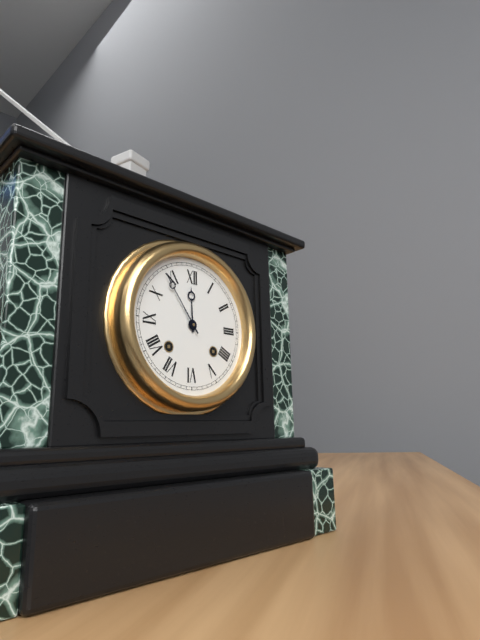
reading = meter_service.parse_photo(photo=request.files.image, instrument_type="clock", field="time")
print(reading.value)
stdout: 11:54
